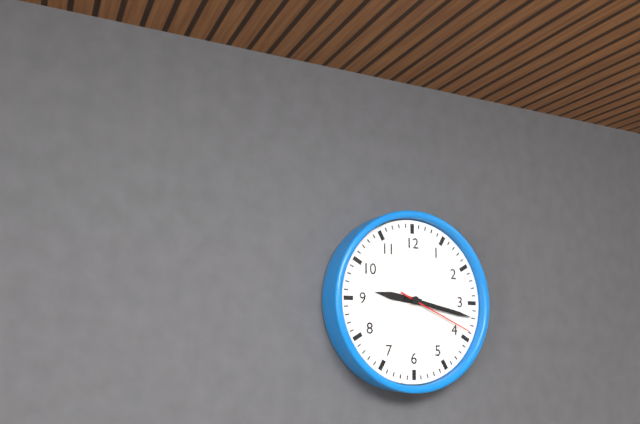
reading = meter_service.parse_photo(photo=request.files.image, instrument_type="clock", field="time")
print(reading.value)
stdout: 9:17:19
